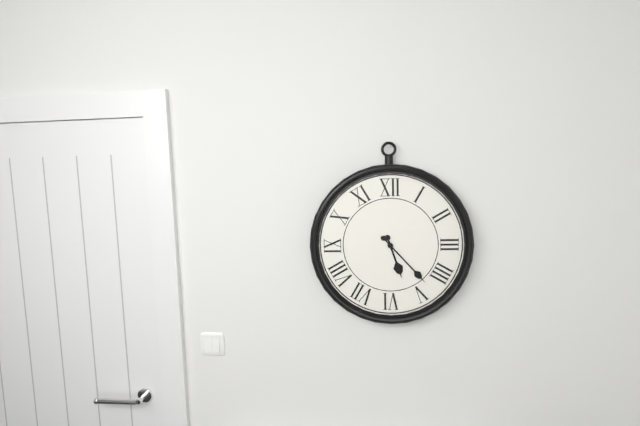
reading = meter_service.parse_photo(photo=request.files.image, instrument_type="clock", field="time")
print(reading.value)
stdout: 5:23
